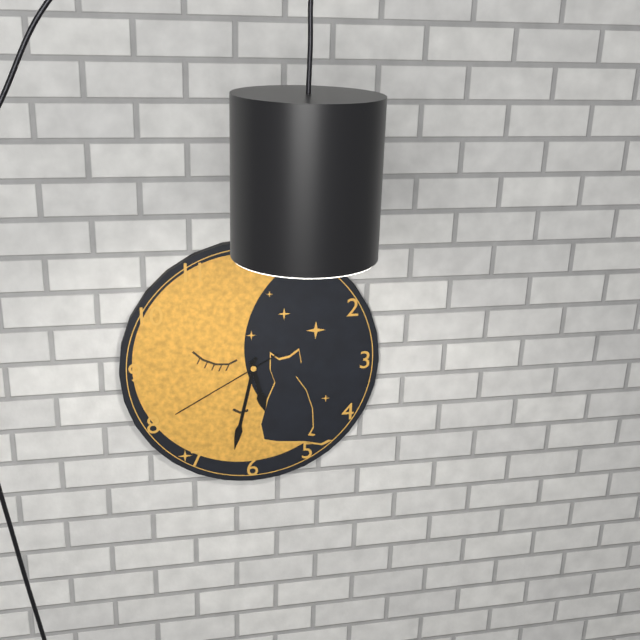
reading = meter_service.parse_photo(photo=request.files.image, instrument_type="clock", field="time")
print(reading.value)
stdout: 5:32:40
